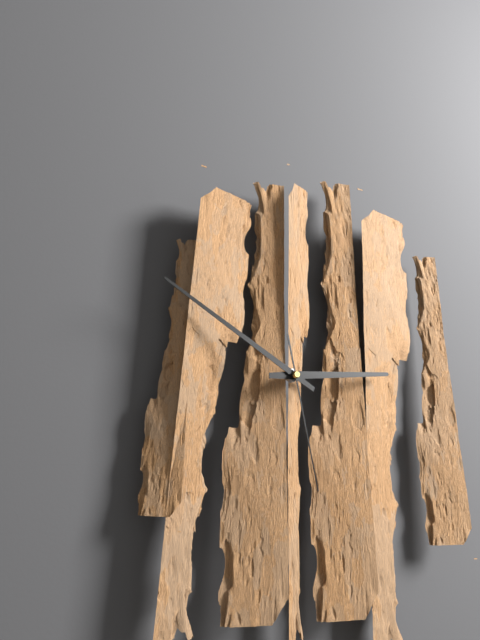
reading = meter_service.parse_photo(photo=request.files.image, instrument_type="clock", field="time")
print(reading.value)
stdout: 2:50:28
